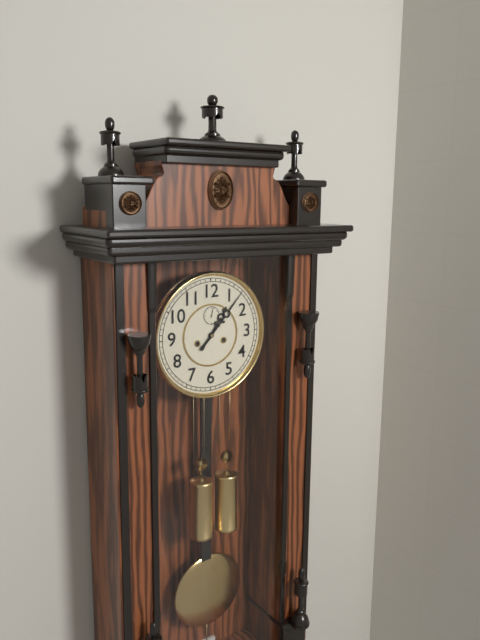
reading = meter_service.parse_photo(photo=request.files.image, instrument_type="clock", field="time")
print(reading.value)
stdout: 1:07
